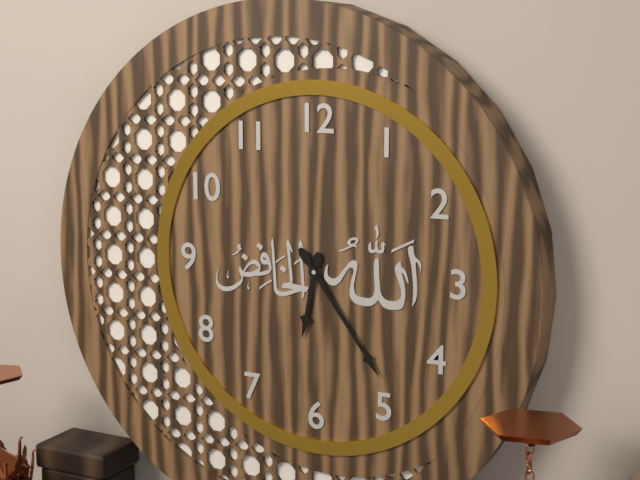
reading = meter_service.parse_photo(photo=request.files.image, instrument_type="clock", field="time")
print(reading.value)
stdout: 6:24
